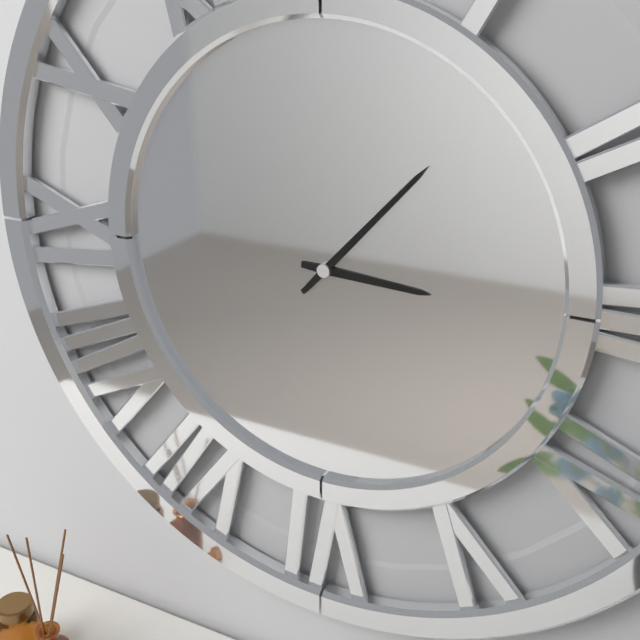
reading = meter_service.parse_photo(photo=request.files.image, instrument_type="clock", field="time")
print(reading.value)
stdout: 3:07
